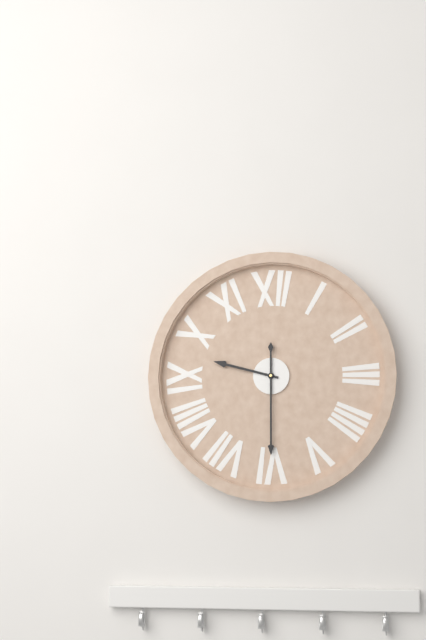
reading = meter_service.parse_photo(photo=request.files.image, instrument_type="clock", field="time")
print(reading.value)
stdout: 9:30
